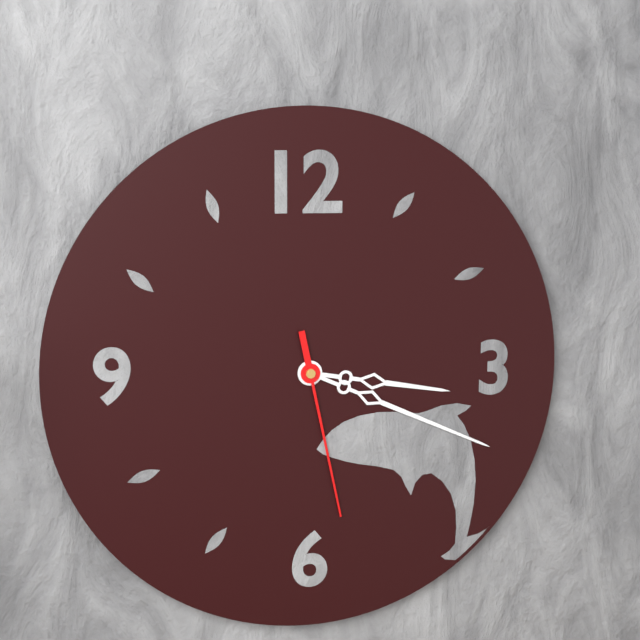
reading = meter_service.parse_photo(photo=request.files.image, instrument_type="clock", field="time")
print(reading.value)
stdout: 3:19:28
